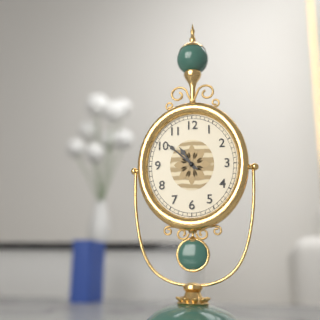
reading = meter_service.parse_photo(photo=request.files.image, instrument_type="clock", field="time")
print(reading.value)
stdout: 10:52
